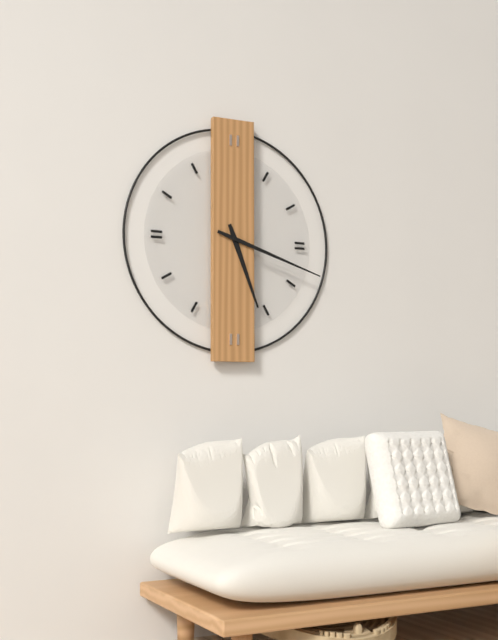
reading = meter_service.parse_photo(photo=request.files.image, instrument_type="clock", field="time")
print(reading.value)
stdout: 5:18
